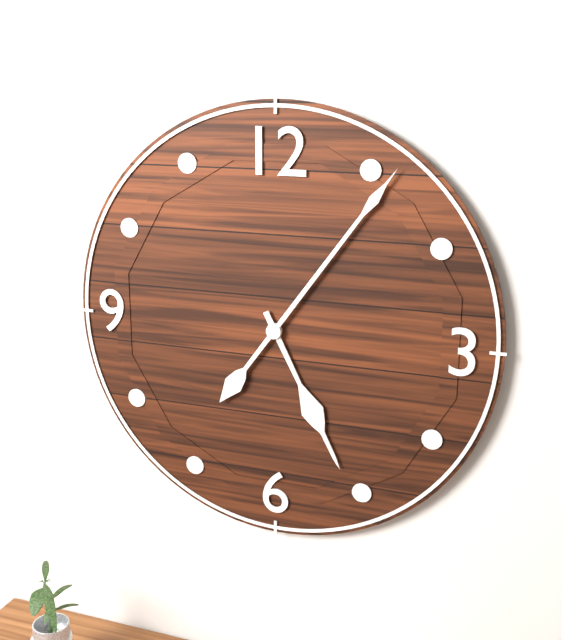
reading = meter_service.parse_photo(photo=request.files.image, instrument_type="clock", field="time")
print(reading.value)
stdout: 5:06
